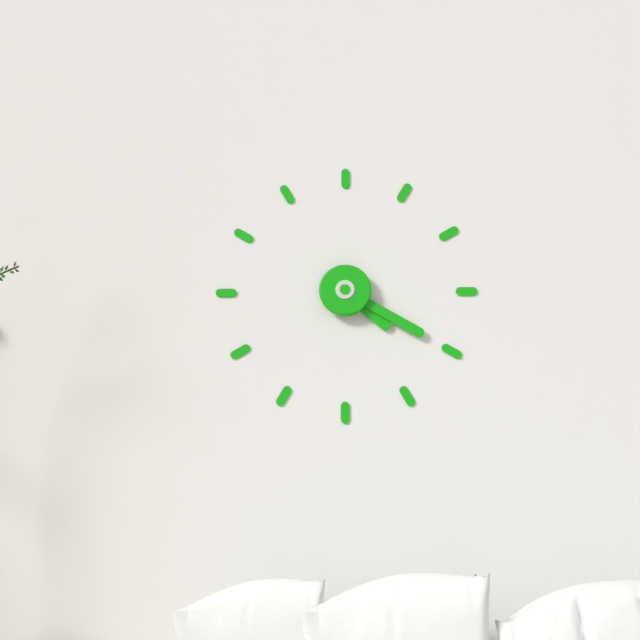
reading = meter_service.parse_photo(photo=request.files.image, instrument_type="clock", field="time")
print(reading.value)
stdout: 4:20
